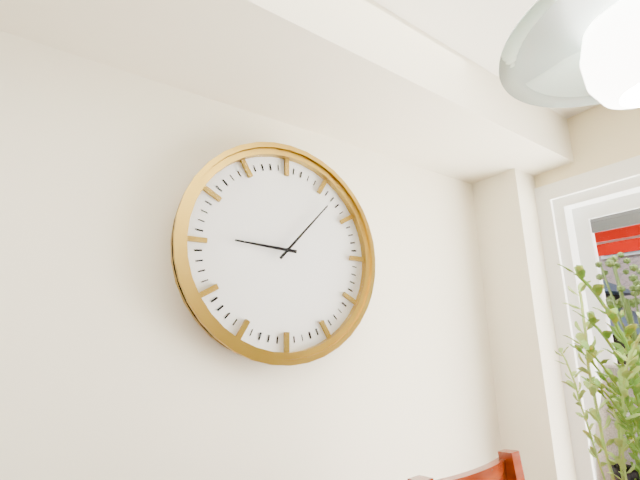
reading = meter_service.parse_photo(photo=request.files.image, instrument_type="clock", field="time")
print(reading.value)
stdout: 9:07
